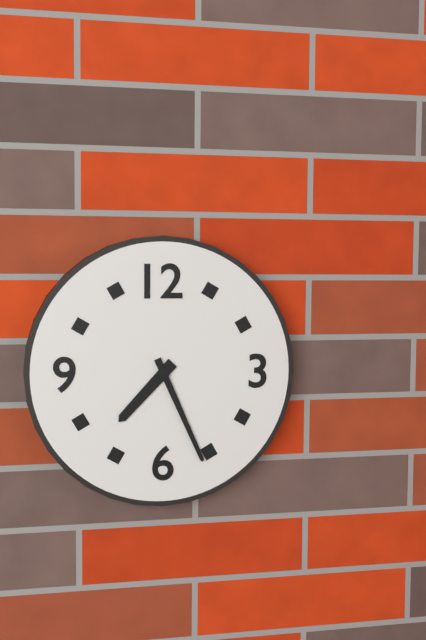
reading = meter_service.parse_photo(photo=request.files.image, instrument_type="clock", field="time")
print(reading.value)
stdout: 7:26
